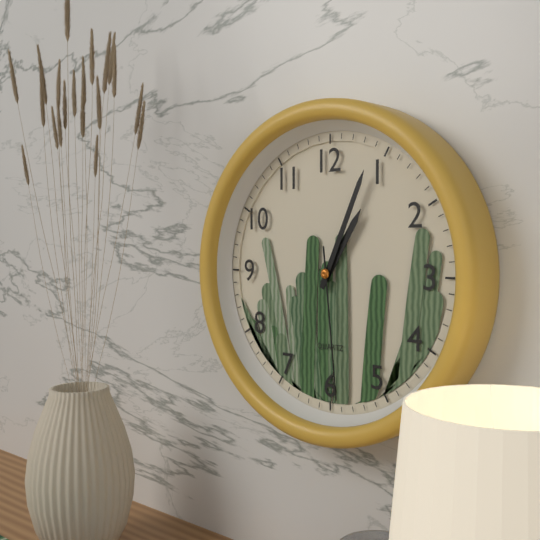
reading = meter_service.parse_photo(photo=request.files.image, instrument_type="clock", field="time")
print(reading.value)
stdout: 1:04:29
